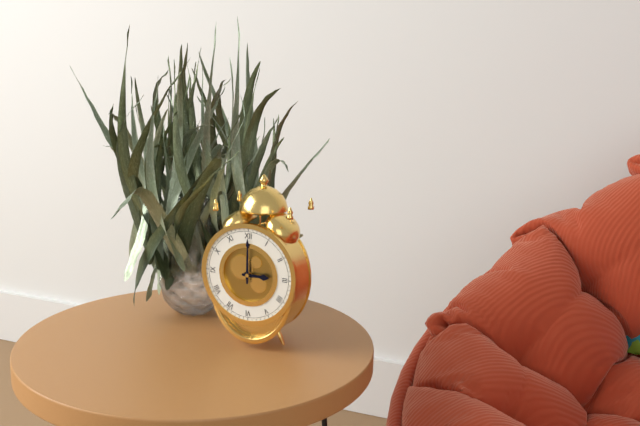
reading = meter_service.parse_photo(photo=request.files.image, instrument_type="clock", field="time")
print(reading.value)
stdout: 3:00
